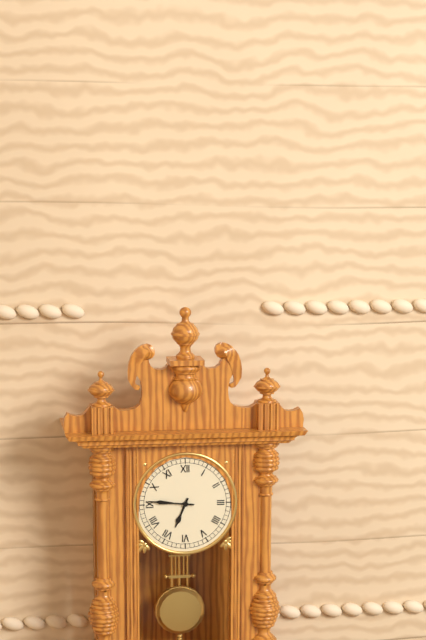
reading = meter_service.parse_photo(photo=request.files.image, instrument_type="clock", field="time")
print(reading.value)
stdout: 6:46
